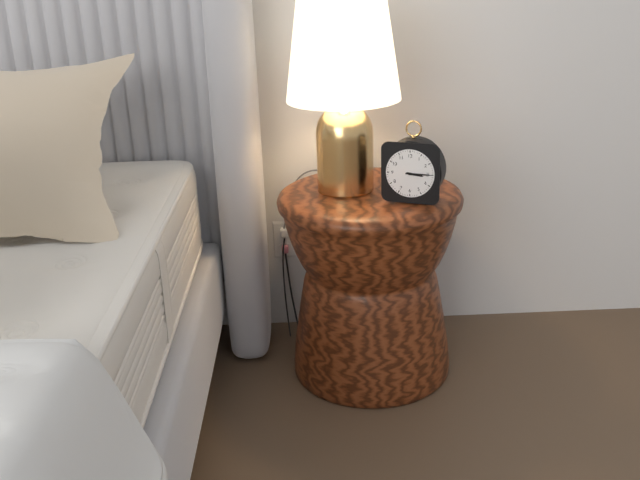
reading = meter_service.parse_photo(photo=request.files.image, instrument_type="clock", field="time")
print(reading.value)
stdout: 3:15
